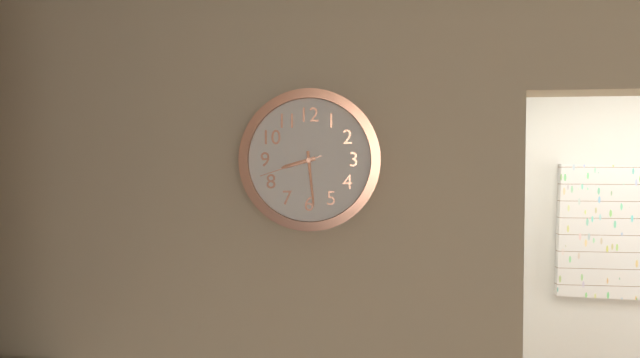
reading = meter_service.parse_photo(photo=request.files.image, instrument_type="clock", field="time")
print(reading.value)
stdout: 8:29:42
